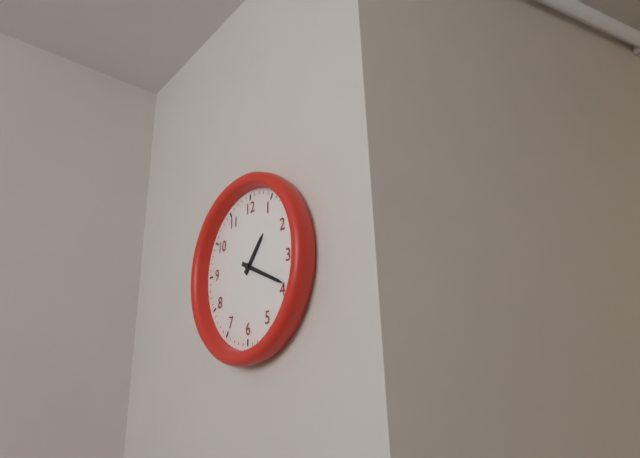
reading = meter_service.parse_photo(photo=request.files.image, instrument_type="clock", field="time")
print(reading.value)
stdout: 1:19
